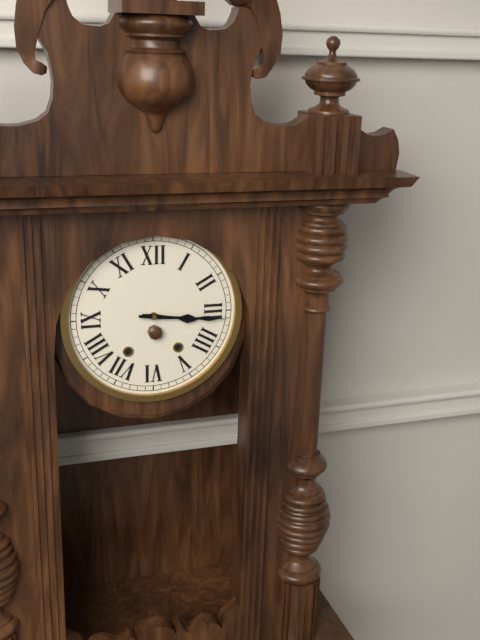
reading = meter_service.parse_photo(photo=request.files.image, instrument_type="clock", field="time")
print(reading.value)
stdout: 3:16
